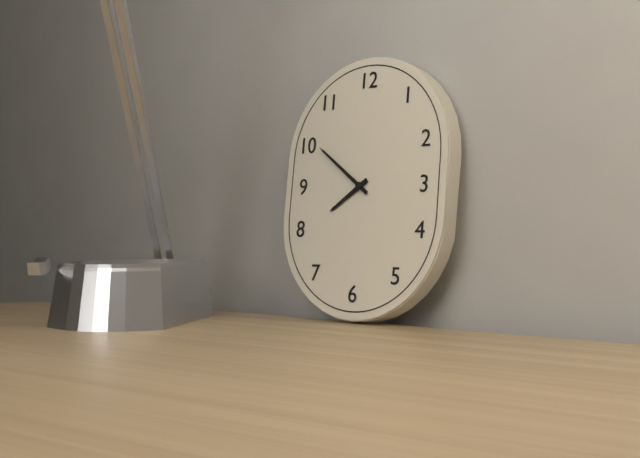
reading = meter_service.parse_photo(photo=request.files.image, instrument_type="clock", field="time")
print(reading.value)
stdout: 7:51
